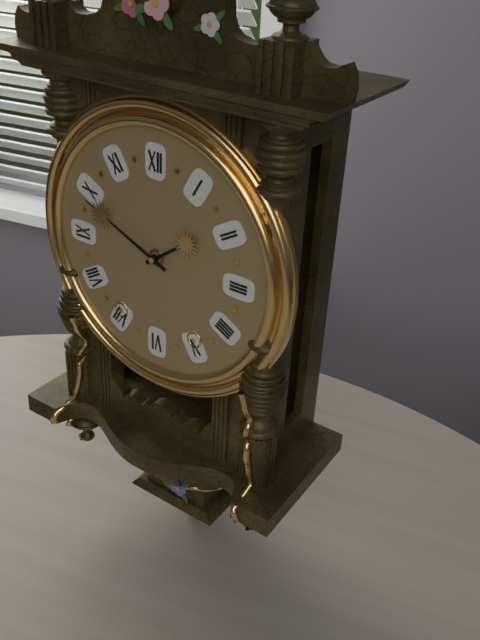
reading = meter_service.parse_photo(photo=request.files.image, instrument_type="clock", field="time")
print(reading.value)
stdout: 1:49
